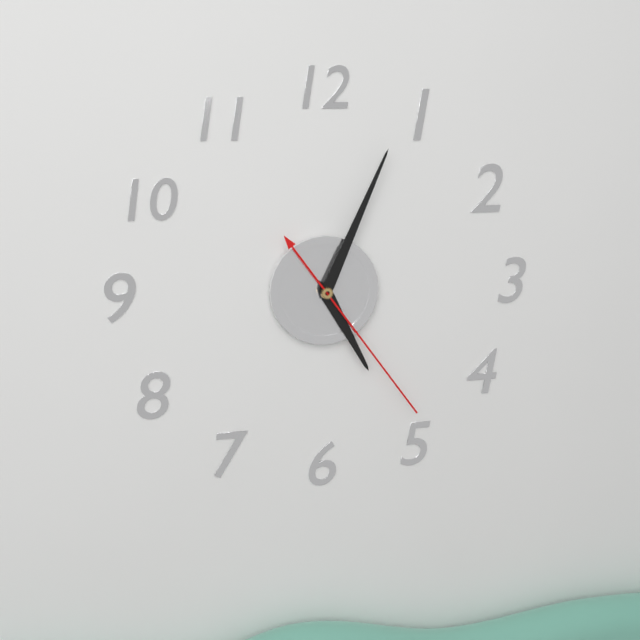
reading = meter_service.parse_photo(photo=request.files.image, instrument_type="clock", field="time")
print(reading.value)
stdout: 5:04:24
